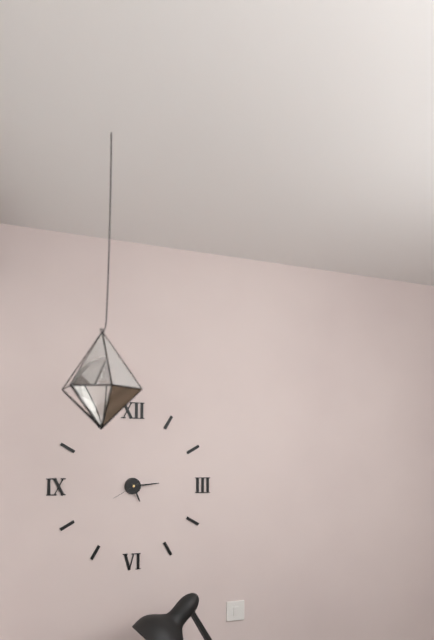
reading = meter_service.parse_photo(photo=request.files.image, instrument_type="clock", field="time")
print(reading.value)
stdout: 5:14
